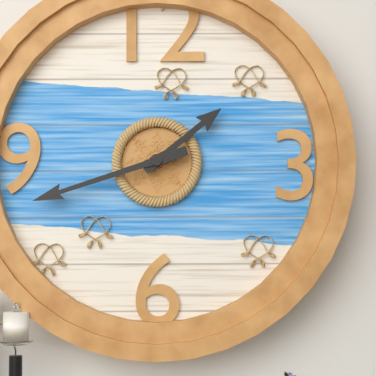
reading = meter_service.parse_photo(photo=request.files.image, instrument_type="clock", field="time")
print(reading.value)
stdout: 1:42
